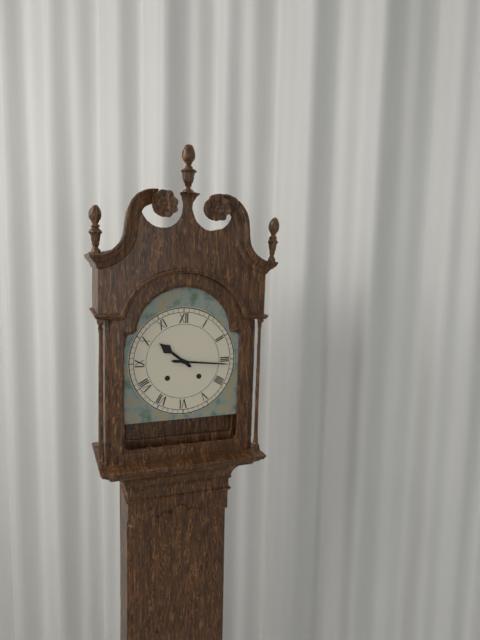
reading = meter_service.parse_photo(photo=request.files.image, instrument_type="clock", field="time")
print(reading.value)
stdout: 10:16
